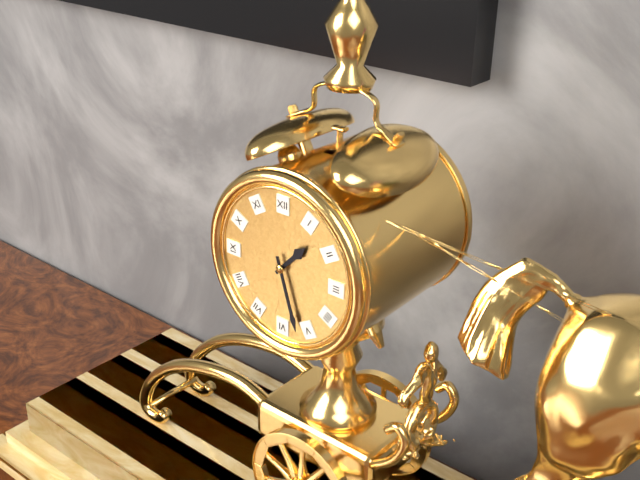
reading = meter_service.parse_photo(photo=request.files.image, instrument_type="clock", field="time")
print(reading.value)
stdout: 1:27
